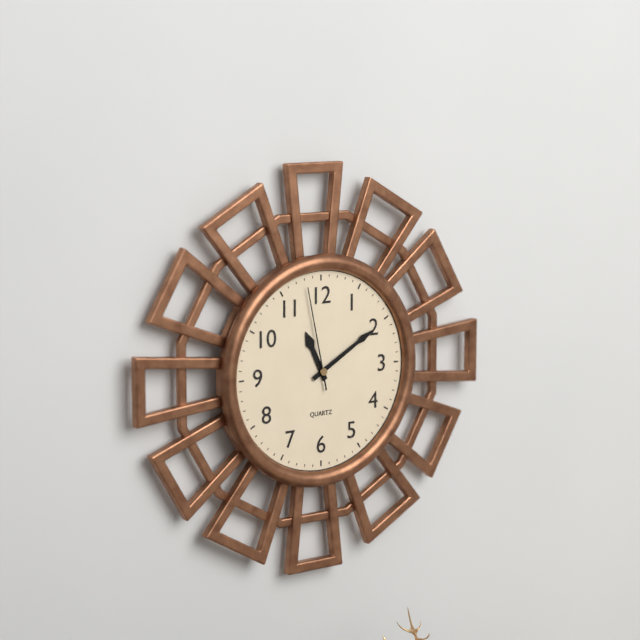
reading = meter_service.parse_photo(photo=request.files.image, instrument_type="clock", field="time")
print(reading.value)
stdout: 11:10:58
